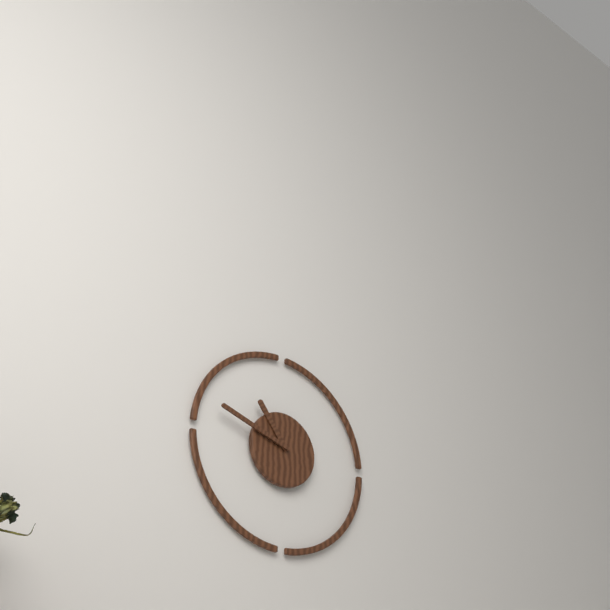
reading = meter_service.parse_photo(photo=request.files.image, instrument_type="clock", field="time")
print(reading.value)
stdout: 10:48
